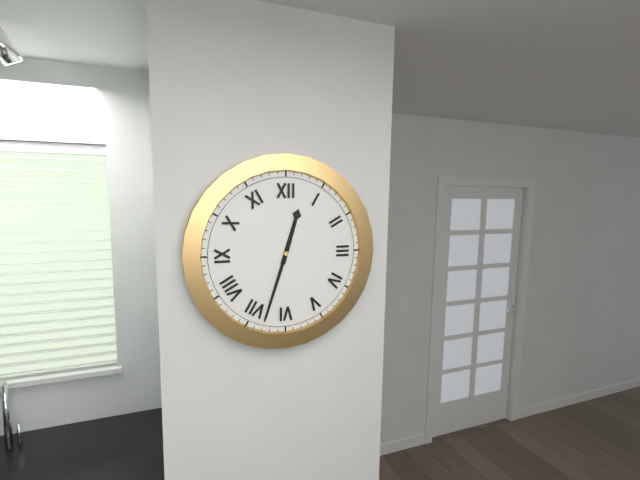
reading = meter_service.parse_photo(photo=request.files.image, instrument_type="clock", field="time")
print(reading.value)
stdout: 12:33
